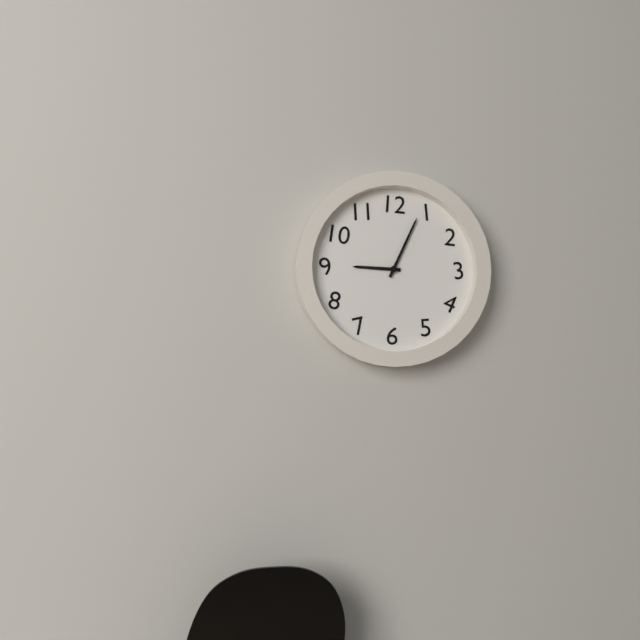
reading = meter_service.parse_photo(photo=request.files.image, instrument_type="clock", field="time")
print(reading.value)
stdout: 9:04
